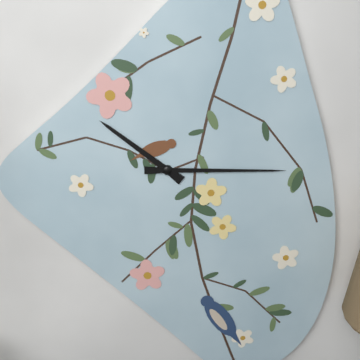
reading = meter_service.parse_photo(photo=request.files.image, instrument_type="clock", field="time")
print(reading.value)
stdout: 10:15
